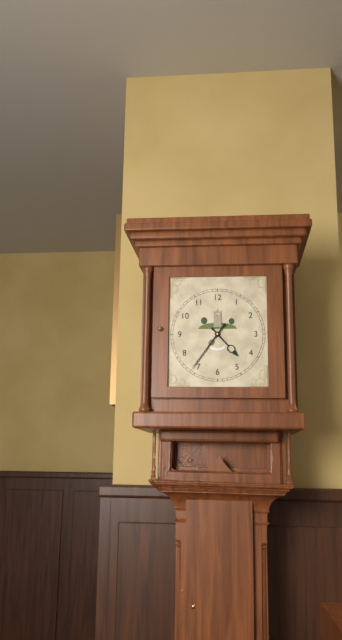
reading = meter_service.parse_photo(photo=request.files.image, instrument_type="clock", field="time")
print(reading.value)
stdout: 4:36
